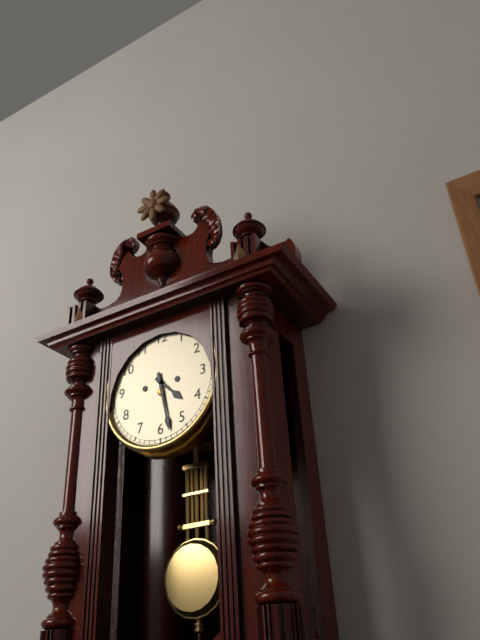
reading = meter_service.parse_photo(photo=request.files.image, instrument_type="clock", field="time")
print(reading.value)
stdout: 4:28
